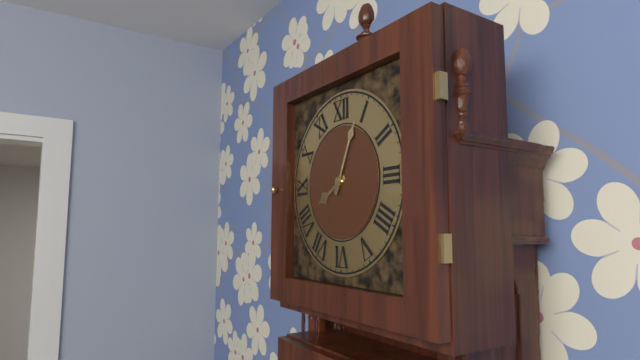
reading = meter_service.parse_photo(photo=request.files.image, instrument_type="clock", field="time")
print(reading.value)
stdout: 8:04
